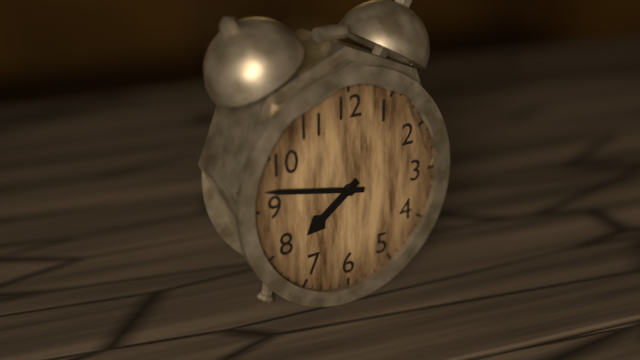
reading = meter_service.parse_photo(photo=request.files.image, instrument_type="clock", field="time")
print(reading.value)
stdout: 7:47
